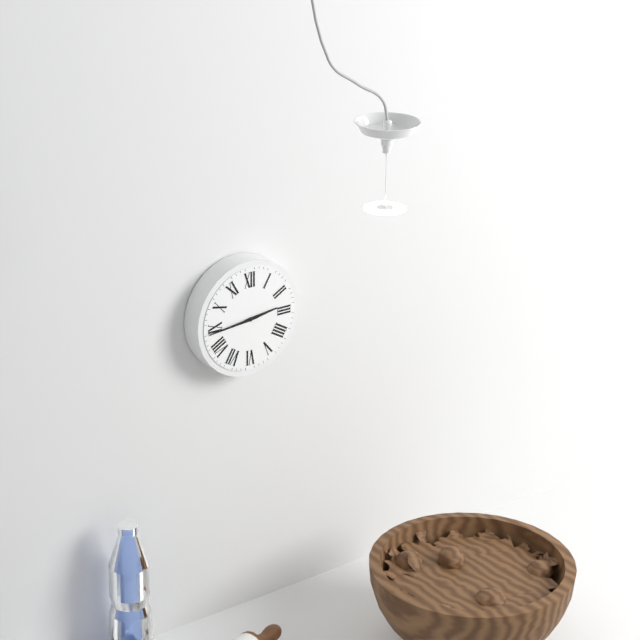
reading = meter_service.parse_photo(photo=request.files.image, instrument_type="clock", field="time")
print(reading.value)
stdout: 2:44
